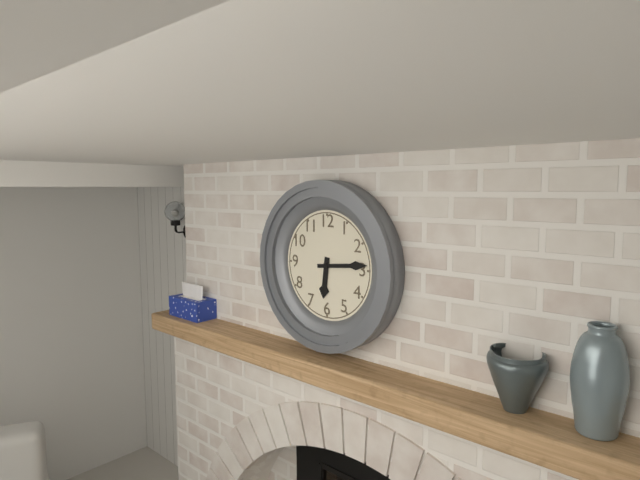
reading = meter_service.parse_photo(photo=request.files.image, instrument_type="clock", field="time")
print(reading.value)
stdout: 6:14
